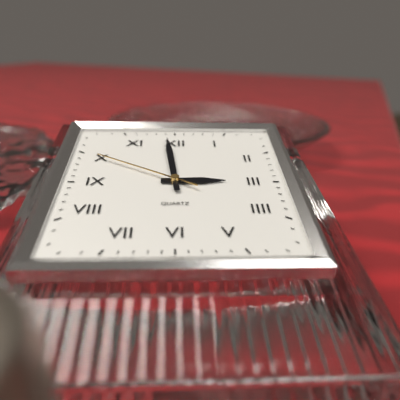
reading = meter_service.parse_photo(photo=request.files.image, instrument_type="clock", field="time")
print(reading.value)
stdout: 2:59:50
